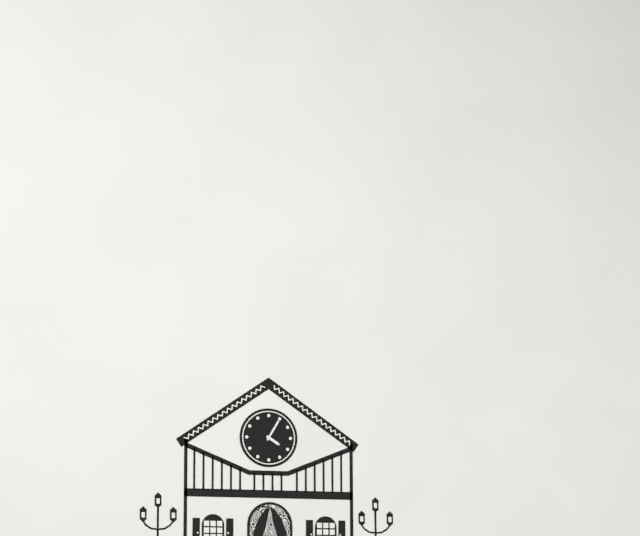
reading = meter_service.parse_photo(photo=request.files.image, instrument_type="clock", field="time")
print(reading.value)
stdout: 4:05
